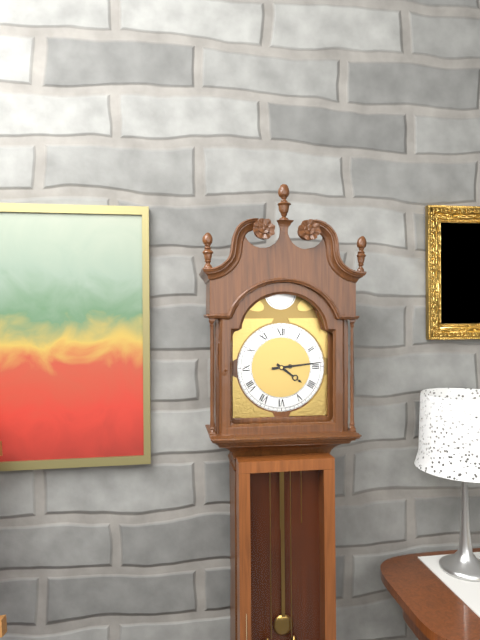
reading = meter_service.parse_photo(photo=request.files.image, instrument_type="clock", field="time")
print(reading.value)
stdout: 4:14
